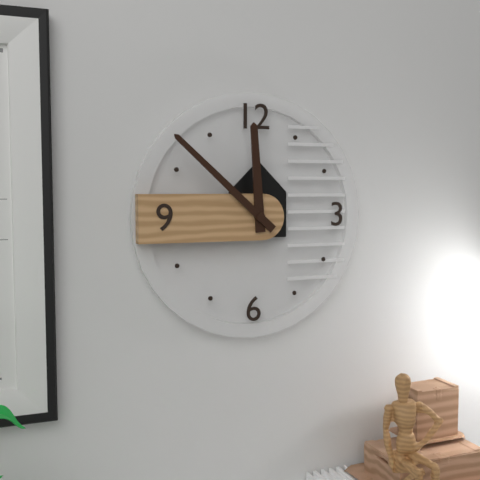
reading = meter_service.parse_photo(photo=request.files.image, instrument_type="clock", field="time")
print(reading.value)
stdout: 11:52
